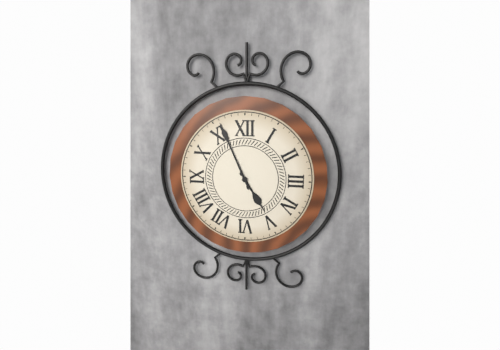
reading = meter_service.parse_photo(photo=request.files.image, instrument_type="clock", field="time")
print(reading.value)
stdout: 4:56
